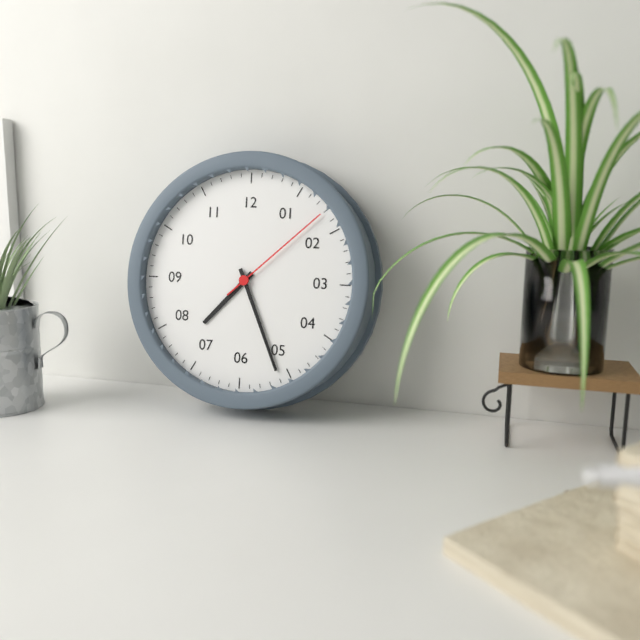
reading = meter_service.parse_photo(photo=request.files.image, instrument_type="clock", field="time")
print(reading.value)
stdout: 7:26:08
